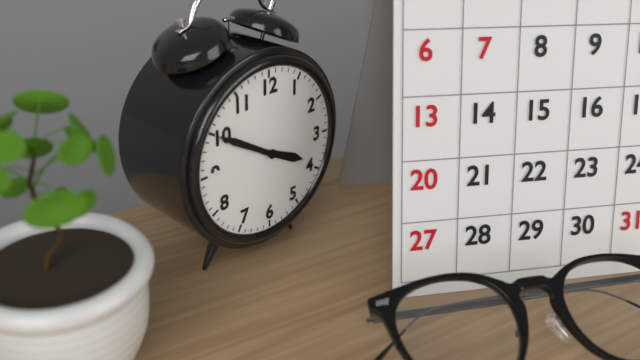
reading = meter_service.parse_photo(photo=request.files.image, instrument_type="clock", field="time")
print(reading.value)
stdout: 3:50
